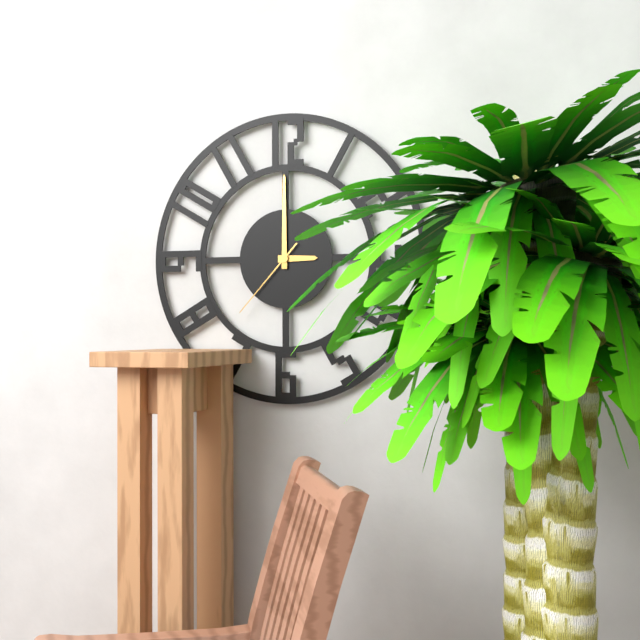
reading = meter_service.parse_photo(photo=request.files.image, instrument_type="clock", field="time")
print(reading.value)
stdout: 3:00:37
